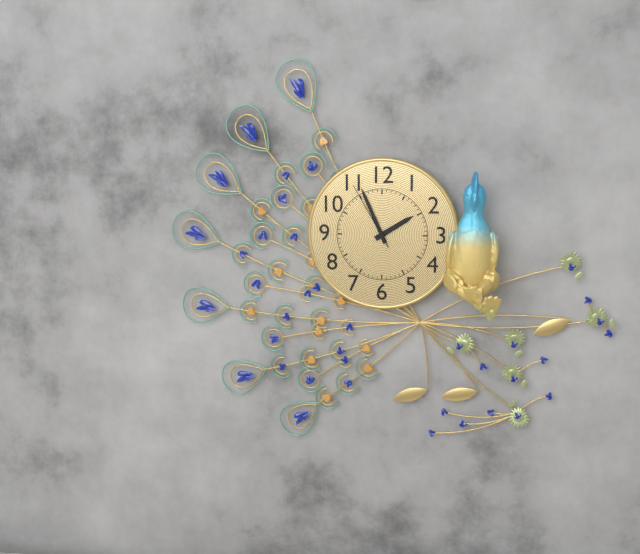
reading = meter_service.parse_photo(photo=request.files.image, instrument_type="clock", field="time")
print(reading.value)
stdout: 1:56:55
